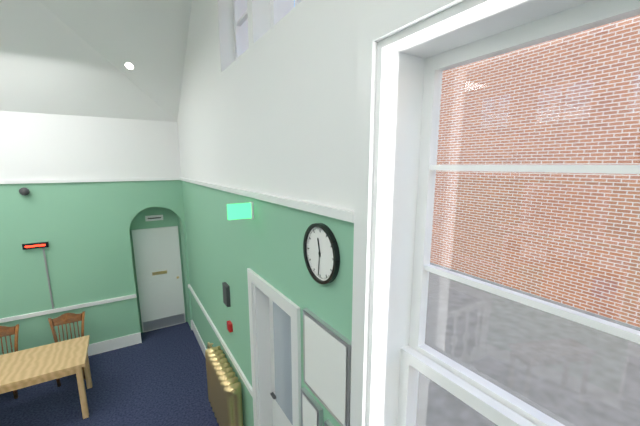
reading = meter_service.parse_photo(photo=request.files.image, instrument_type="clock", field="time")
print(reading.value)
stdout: 11:31
